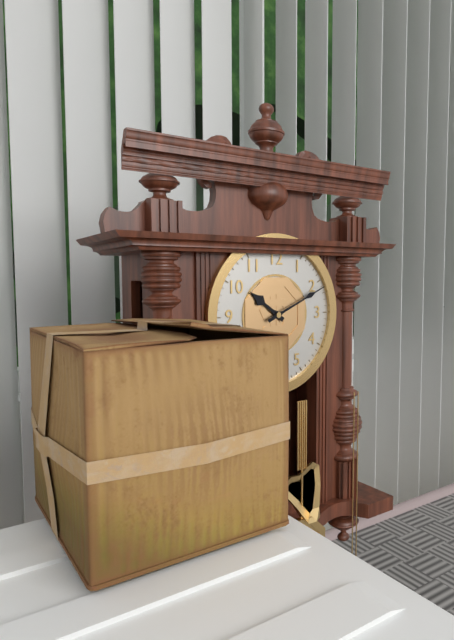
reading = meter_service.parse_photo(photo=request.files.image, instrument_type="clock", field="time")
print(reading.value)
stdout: 10:11
